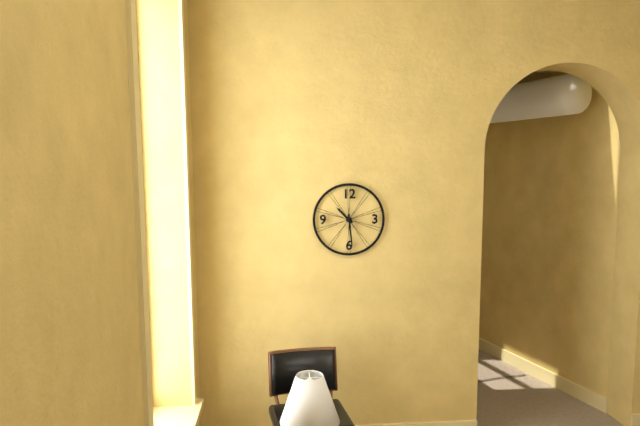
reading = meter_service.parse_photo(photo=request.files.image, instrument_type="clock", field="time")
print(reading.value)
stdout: 10:29
